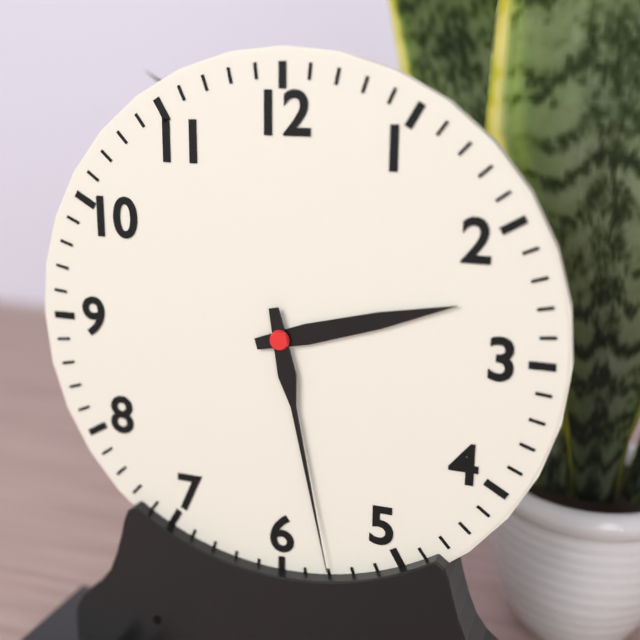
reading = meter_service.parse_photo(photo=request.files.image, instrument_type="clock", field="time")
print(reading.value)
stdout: 2:28
